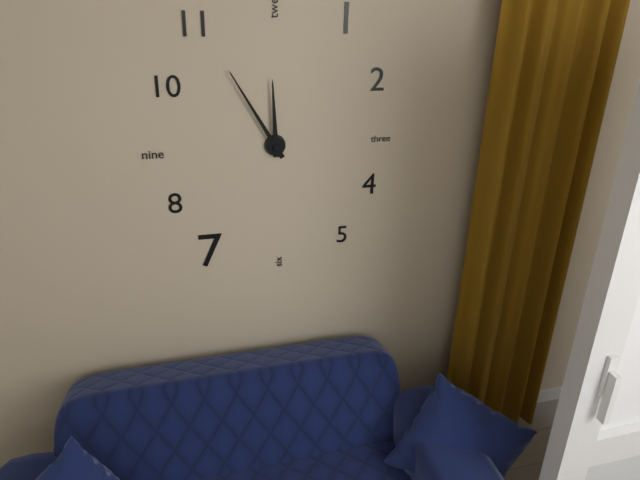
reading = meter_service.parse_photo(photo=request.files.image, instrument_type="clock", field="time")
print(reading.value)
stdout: 11:55
